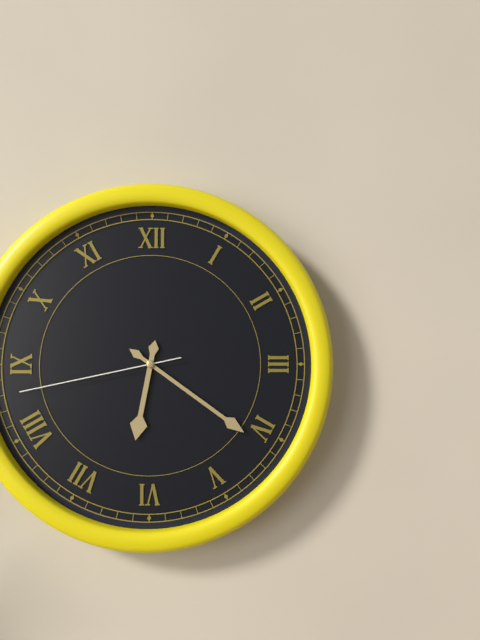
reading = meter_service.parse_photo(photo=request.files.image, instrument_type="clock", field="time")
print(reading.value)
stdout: 6:21:43
